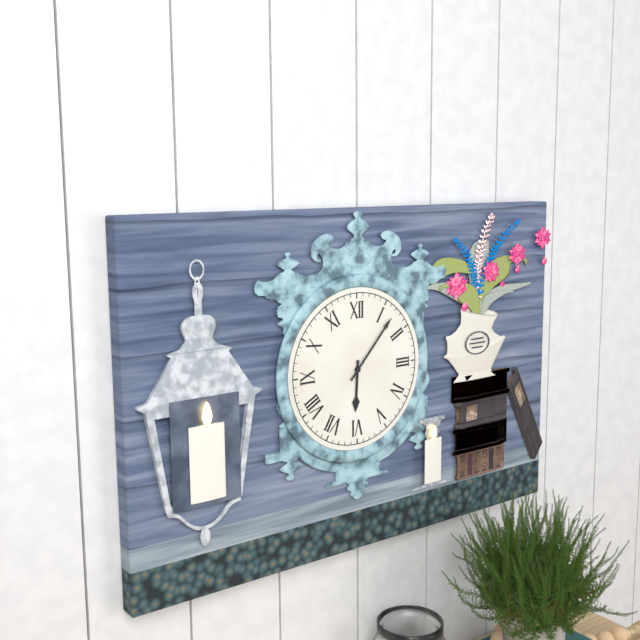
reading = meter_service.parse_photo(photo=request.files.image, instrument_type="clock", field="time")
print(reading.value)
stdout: 6:07
